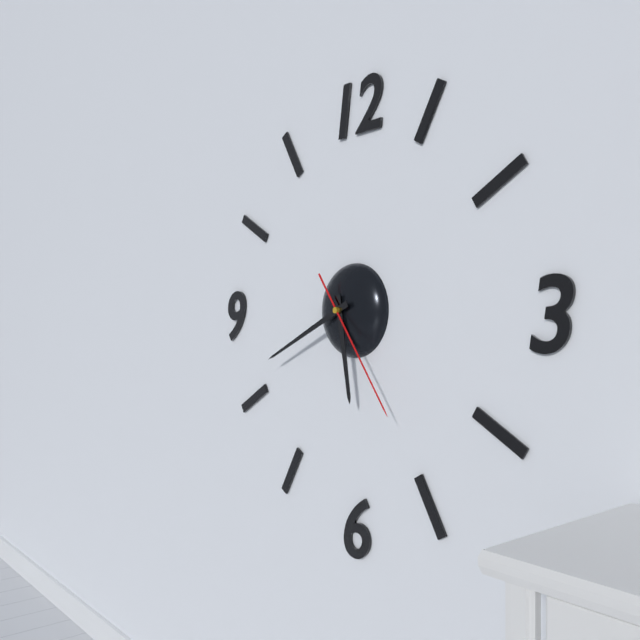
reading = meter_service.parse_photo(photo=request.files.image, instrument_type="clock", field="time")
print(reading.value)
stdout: 5:41:24
